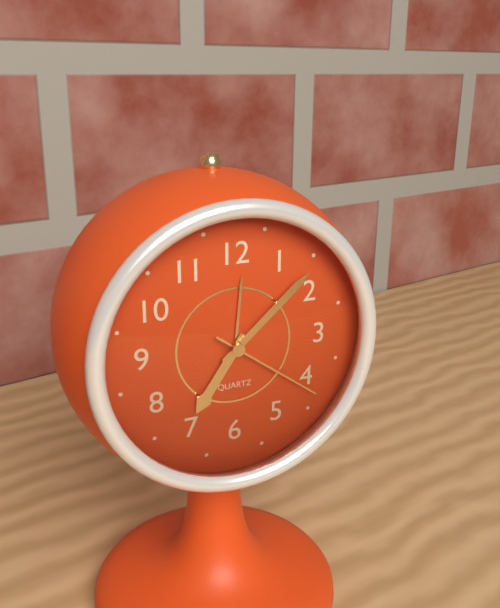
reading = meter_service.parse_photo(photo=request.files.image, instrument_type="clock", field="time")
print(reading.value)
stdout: 7:08:21
